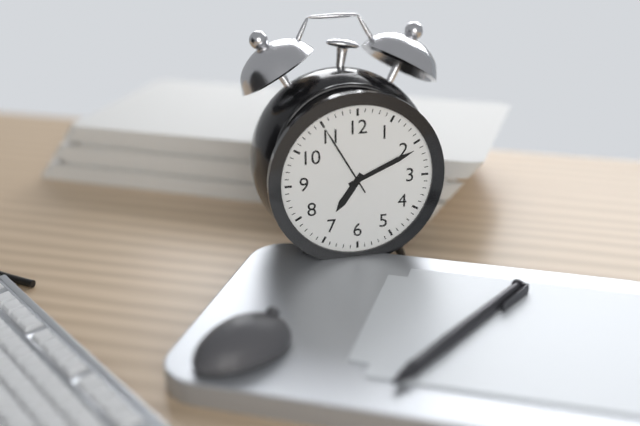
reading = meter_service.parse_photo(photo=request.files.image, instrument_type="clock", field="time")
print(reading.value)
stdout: 7:11:55
